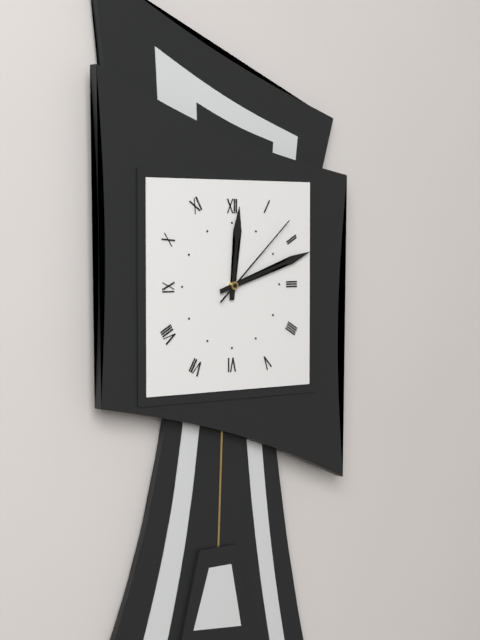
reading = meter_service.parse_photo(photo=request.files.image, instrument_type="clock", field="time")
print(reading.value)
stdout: 12:12:08
